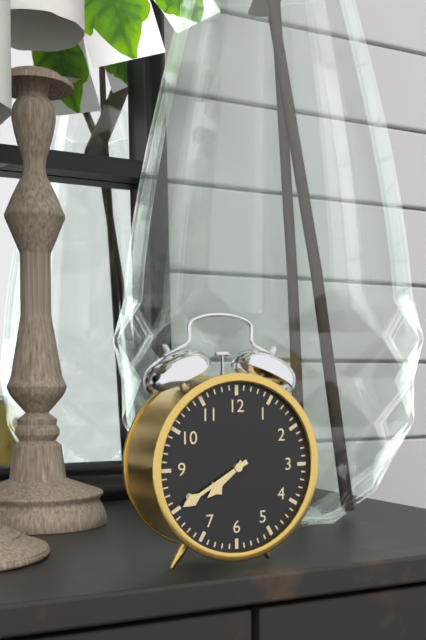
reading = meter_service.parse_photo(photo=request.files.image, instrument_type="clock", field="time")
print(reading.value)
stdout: 7:40
